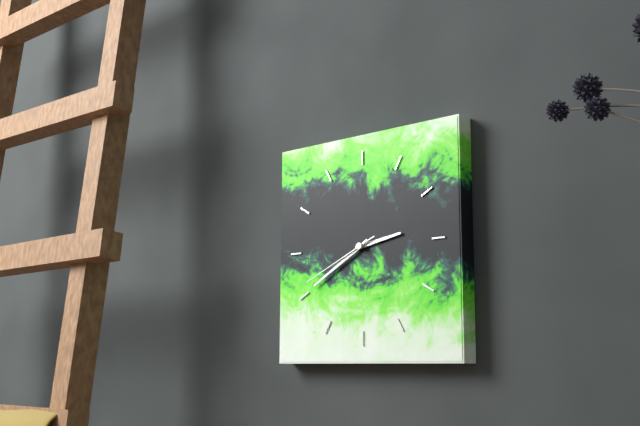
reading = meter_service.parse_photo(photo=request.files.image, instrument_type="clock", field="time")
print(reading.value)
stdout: 2:40:41
